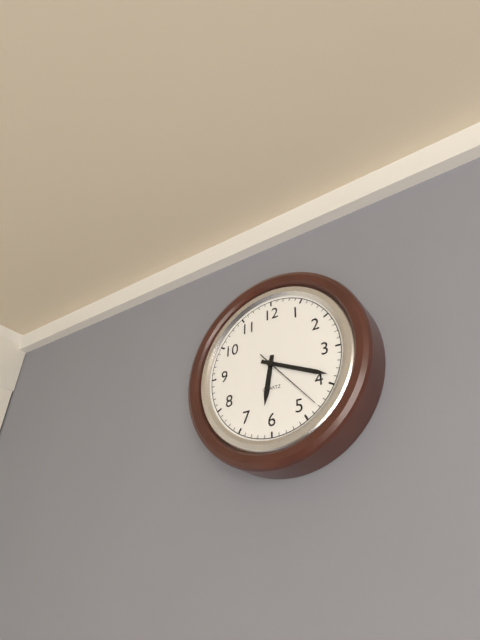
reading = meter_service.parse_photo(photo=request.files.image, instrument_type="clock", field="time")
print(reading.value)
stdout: 6:19:23
